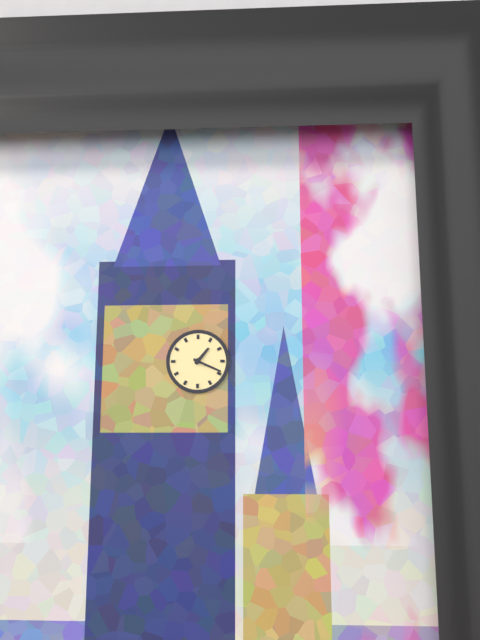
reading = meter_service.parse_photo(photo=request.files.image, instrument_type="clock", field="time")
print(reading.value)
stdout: 1:19
